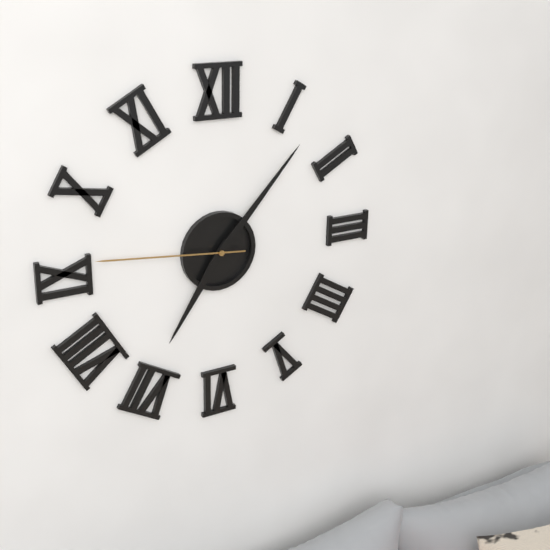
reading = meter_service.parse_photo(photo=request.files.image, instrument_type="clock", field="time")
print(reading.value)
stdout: 7:07:46
